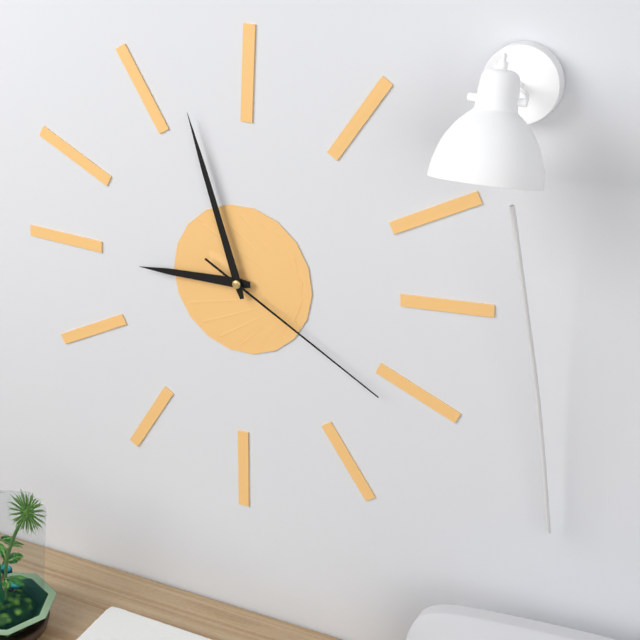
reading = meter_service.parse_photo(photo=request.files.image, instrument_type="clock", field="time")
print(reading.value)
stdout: 8:57:20
